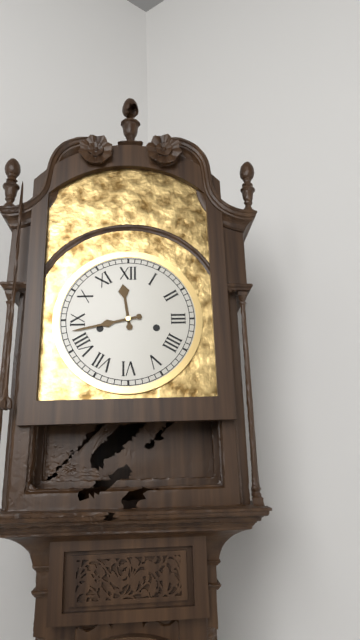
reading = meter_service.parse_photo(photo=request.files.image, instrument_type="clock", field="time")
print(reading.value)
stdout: 11:43
